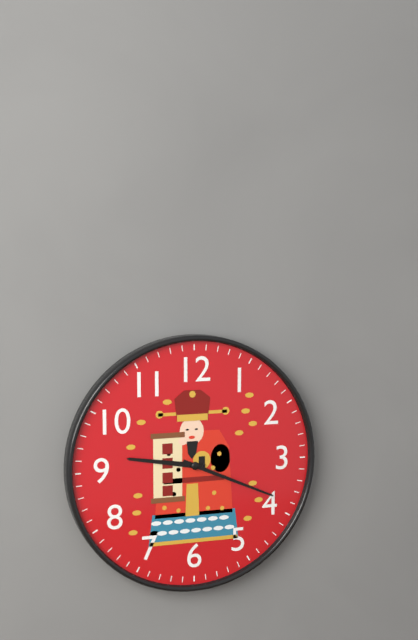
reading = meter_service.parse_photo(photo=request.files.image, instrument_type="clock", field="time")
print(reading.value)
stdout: 9:19
